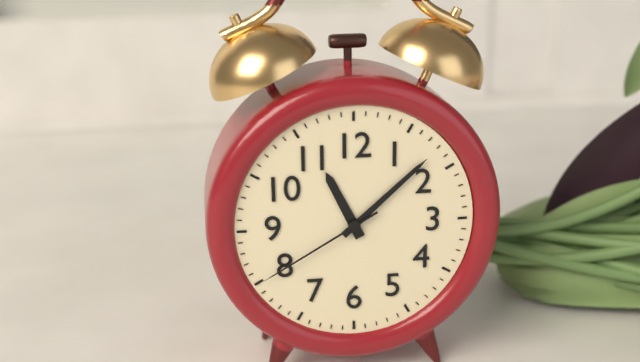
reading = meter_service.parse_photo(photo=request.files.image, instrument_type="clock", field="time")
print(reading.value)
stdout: 11:08:40
